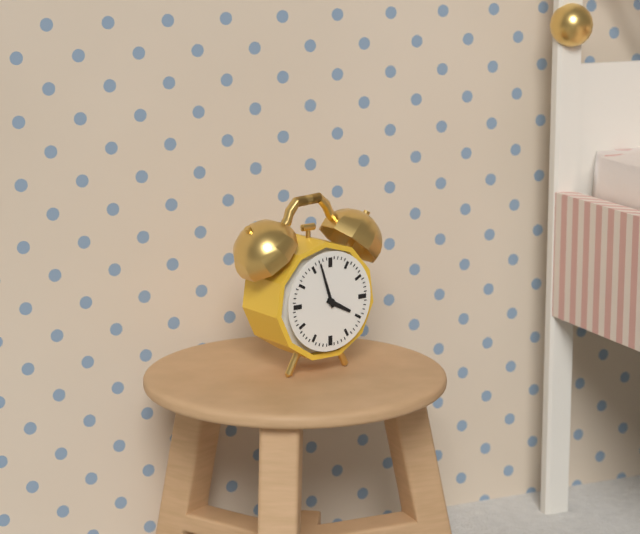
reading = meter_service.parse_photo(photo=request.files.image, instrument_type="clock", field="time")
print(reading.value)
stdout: 3:57
